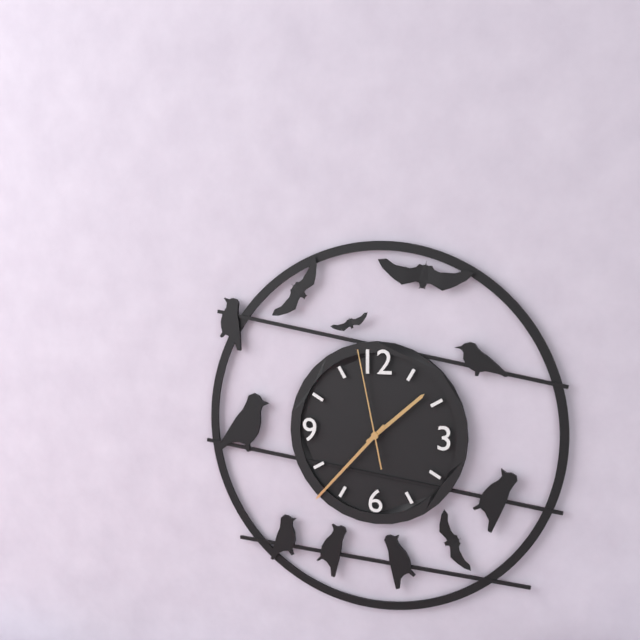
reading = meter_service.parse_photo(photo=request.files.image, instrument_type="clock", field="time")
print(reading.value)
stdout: 1:37:58
